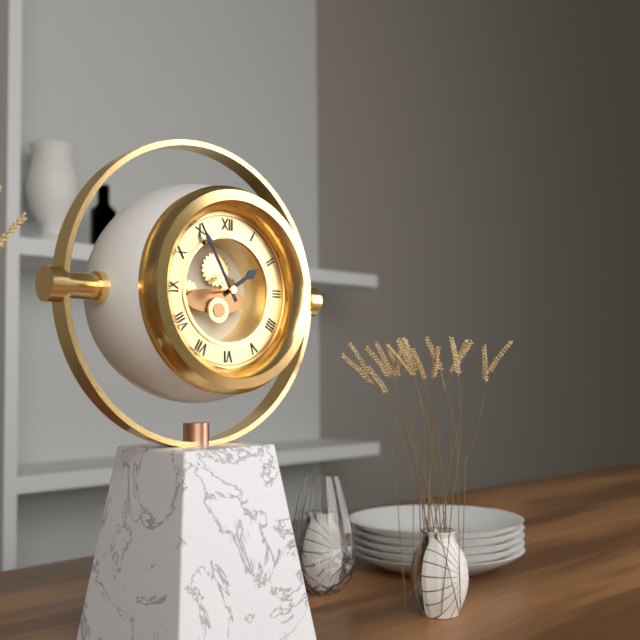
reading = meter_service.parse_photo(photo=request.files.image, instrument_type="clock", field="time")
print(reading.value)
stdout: 1:55
